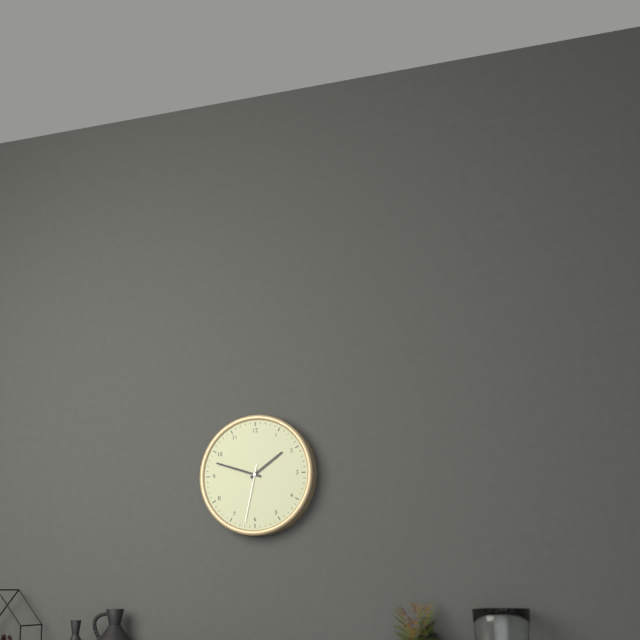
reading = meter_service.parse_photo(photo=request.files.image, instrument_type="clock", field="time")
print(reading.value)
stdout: 1:48:32
